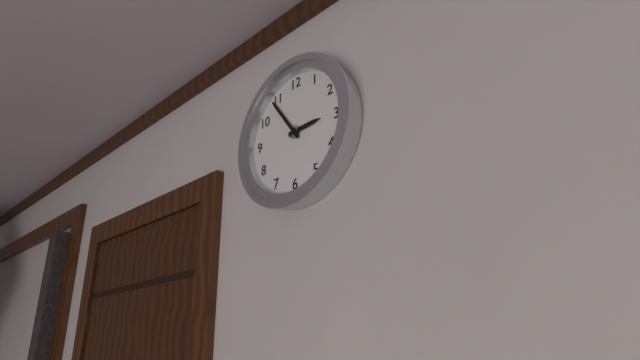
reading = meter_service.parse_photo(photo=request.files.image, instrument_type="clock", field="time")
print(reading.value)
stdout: 2:54
